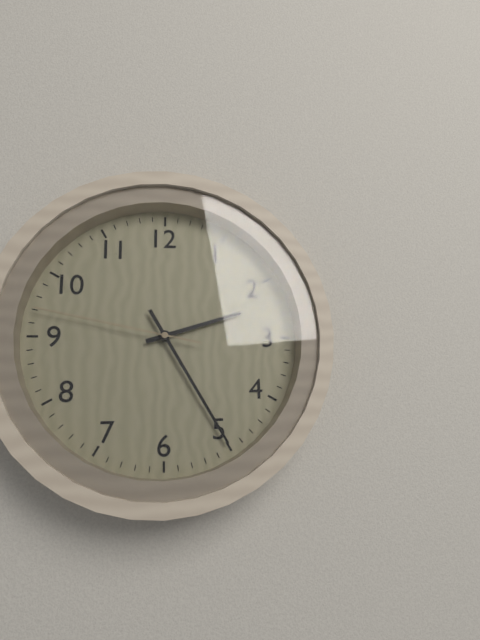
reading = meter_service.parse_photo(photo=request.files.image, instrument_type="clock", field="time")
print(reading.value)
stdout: 2:25:47
